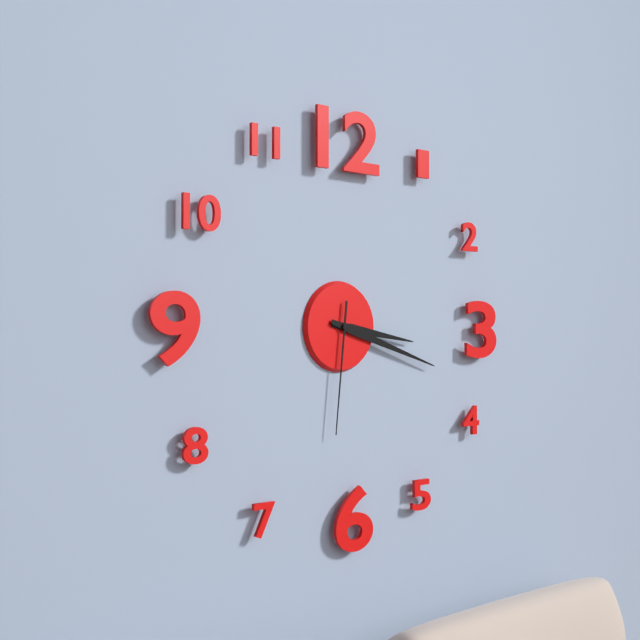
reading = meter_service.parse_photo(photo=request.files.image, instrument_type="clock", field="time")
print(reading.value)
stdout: 3:18:31
